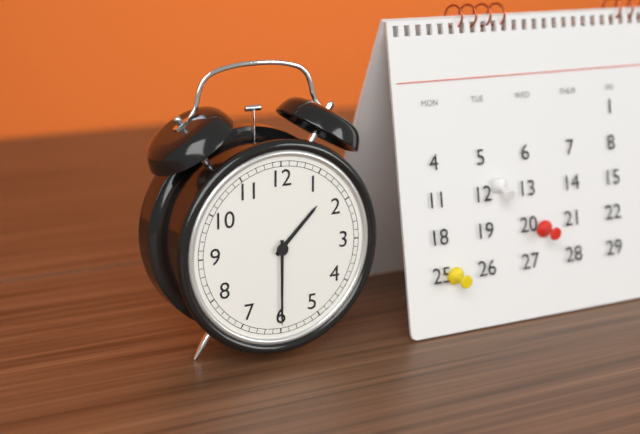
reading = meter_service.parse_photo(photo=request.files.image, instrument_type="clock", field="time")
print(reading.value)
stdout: 1:30
